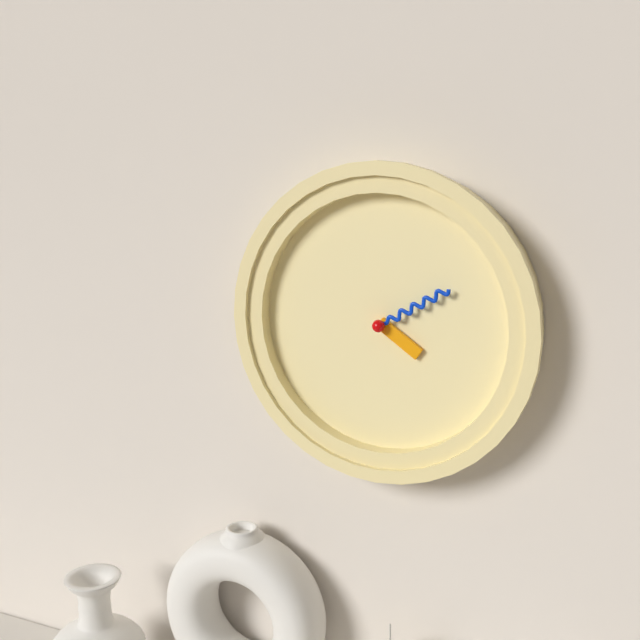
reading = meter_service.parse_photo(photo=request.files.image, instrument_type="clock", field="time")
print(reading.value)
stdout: 4:10
